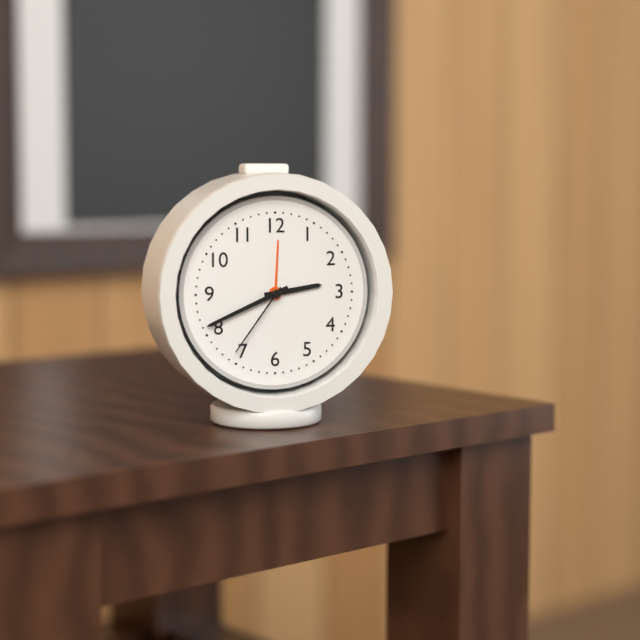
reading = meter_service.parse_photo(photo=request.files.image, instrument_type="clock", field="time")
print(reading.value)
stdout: 2:41:36
